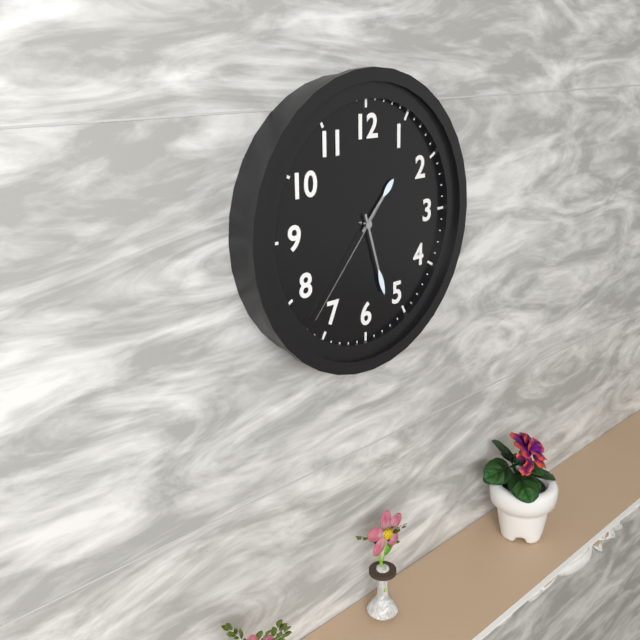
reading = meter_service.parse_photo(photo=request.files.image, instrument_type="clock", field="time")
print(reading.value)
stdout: 1:27:37
